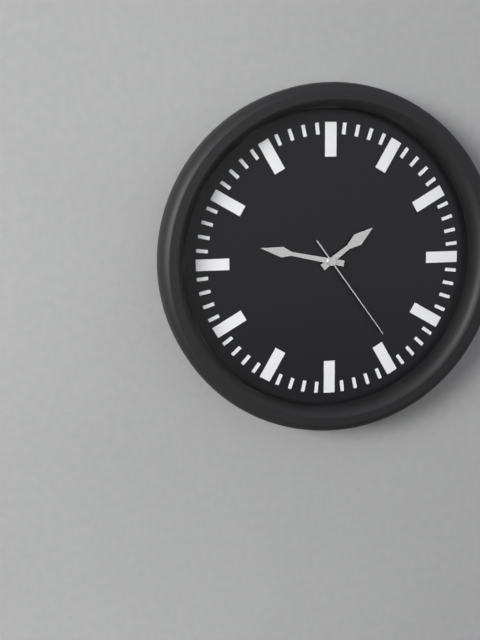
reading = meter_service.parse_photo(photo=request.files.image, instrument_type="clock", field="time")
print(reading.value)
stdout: 1:47:24
